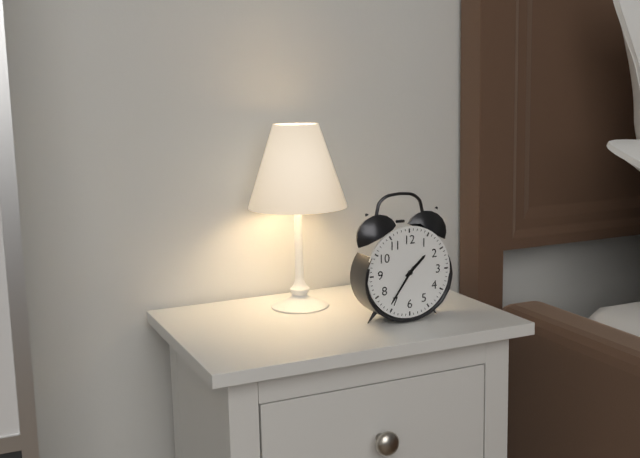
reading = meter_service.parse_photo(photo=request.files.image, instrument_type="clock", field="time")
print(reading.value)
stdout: 1:36
